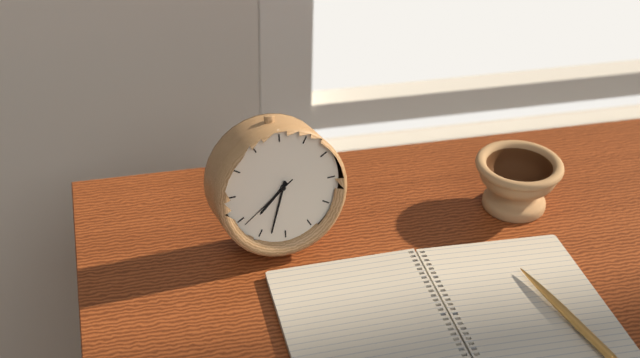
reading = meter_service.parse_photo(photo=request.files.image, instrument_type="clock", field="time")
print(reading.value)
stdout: 7:33:39
